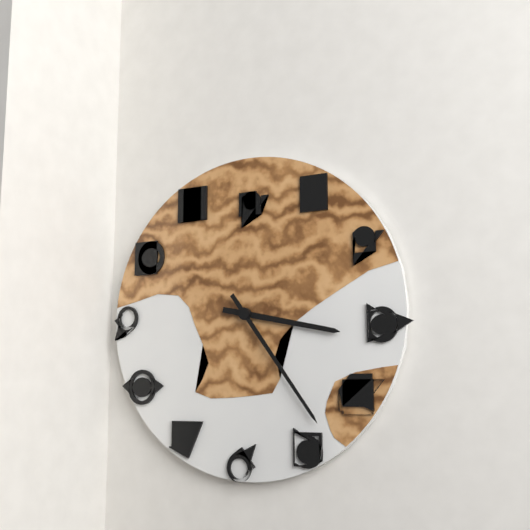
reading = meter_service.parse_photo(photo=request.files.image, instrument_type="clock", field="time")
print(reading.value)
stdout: 3:24
